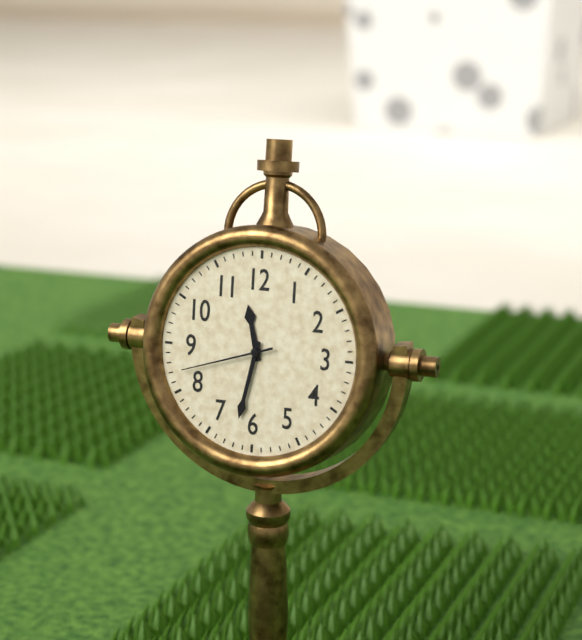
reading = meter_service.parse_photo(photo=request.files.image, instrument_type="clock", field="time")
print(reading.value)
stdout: 11:32:42
